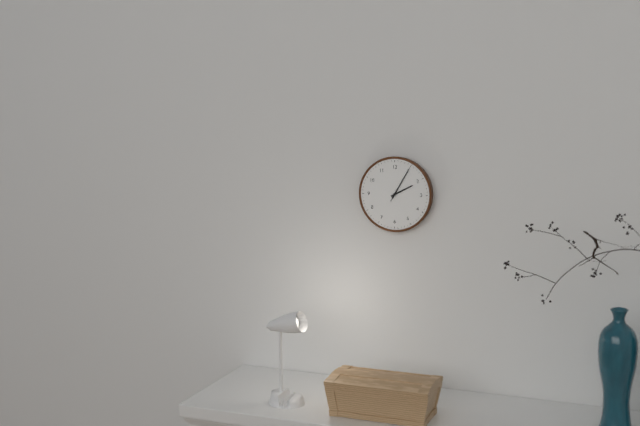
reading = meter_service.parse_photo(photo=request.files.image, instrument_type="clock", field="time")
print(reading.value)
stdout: 2:05
